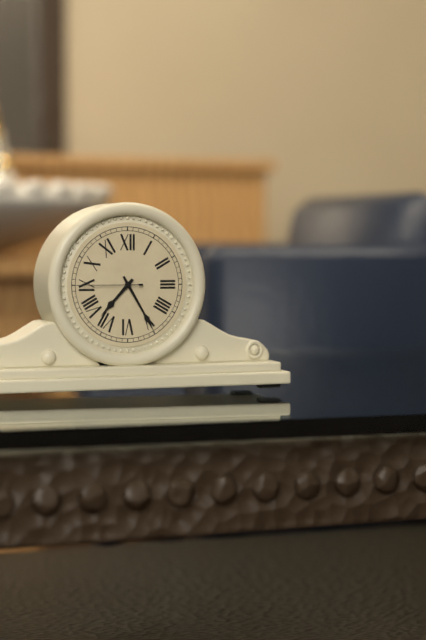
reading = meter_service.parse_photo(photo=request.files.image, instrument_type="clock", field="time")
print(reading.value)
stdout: 7:25:45
